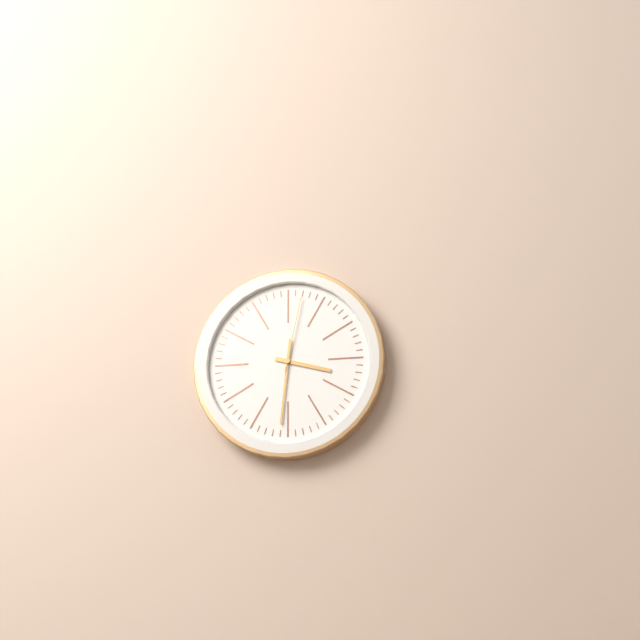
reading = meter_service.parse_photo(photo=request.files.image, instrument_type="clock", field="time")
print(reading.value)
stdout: 3:31:02
